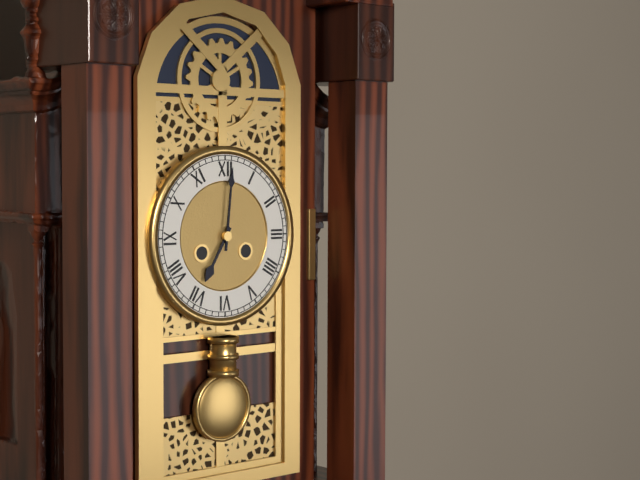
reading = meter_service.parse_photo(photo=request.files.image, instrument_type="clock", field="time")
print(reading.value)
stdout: 7:01
